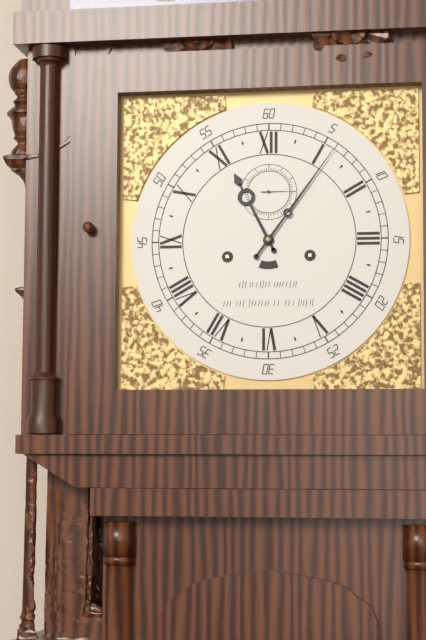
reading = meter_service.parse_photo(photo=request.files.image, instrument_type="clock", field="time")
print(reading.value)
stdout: 11:06
